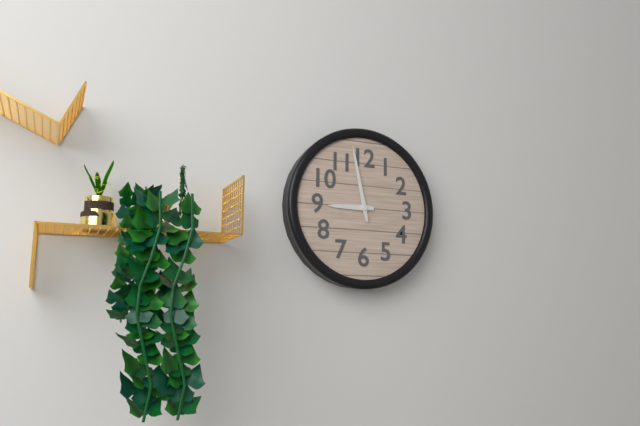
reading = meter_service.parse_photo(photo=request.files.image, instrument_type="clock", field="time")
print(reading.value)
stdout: 8:58
